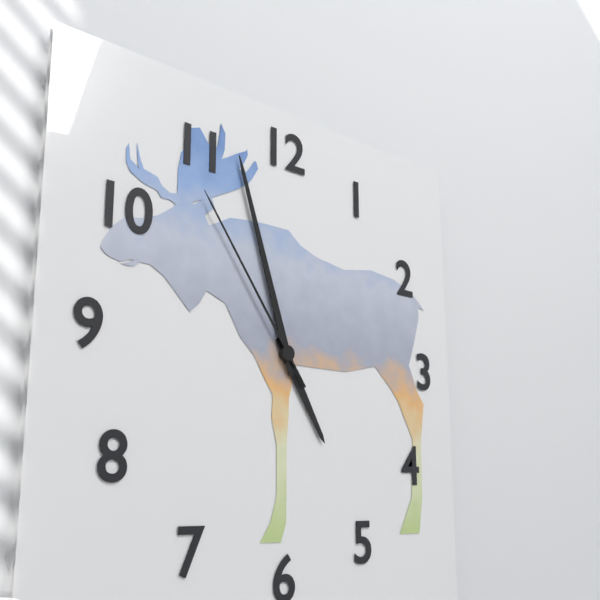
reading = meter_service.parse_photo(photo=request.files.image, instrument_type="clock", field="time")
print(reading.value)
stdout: 4:57:54
